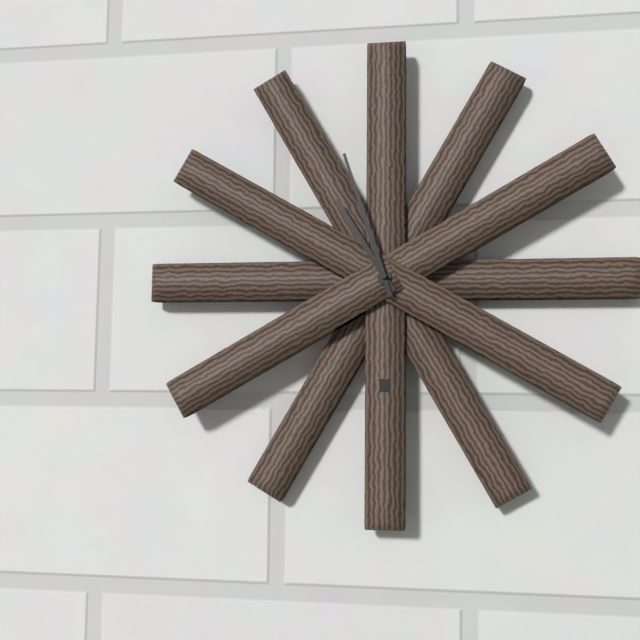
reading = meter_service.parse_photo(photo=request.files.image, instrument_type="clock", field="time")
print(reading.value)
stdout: 10:57
